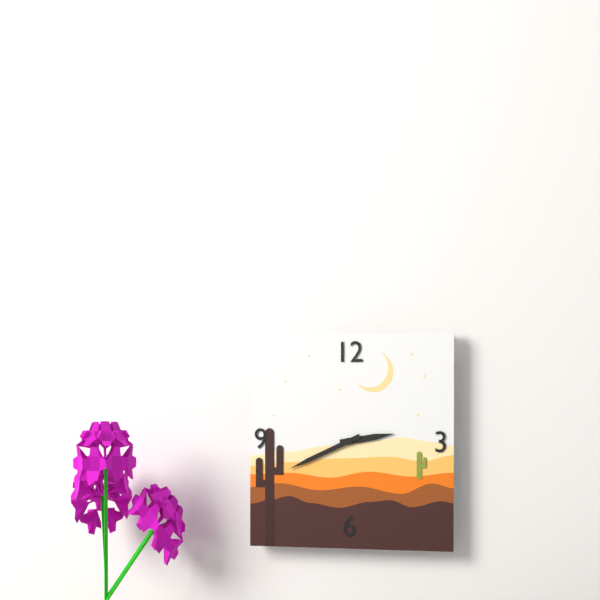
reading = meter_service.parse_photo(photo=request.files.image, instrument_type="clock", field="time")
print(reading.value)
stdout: 2:41
